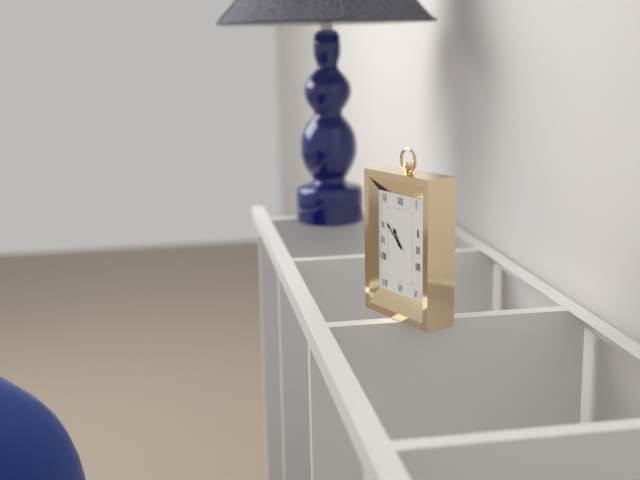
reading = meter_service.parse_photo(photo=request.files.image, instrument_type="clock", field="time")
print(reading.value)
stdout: 10:52
